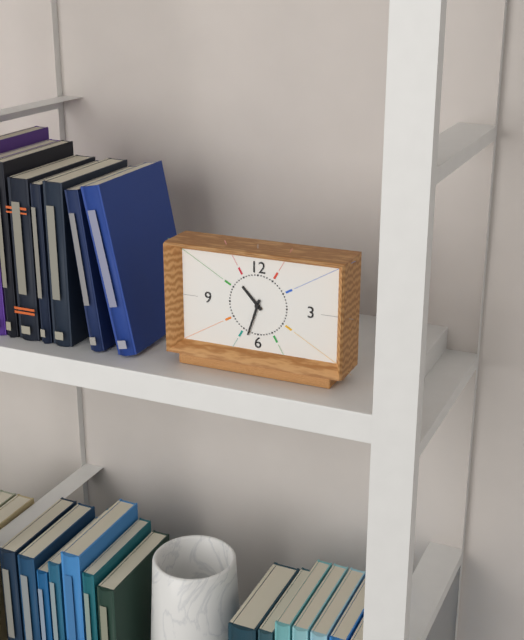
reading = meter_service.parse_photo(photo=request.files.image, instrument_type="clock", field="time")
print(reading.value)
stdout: 10:33
